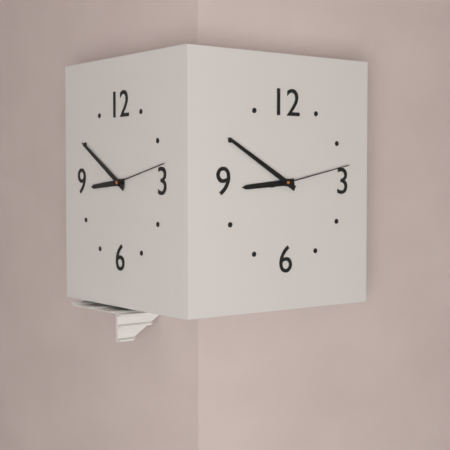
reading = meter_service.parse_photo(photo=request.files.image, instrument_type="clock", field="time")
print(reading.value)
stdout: 8:50:13
